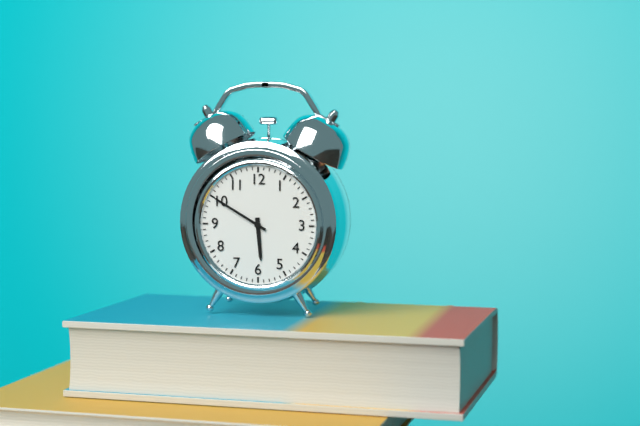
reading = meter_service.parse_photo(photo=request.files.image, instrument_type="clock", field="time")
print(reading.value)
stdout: 5:50
